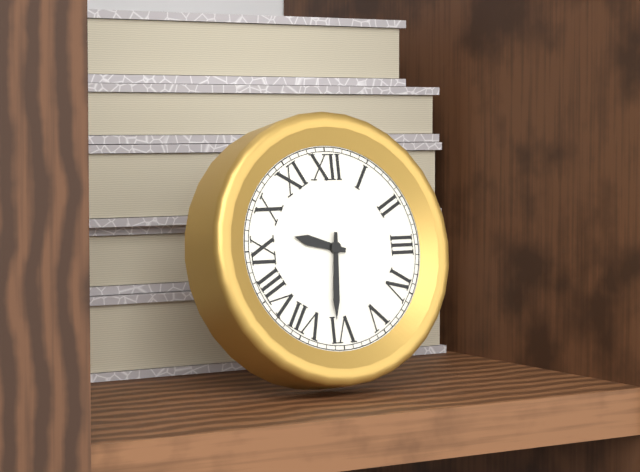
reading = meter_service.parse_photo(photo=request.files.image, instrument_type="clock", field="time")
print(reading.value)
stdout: 9:31
